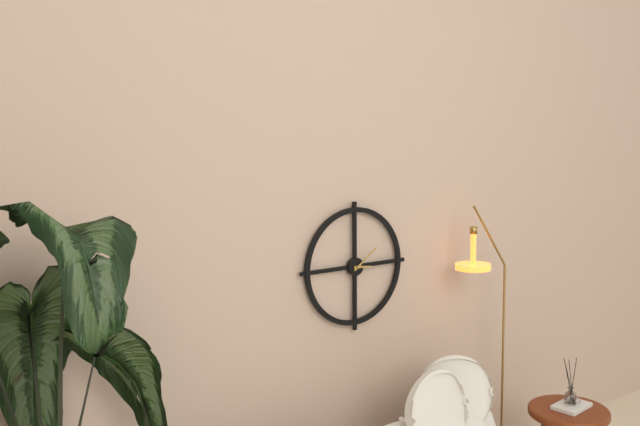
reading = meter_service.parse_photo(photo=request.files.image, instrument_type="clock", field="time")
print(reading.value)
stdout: 3:09
